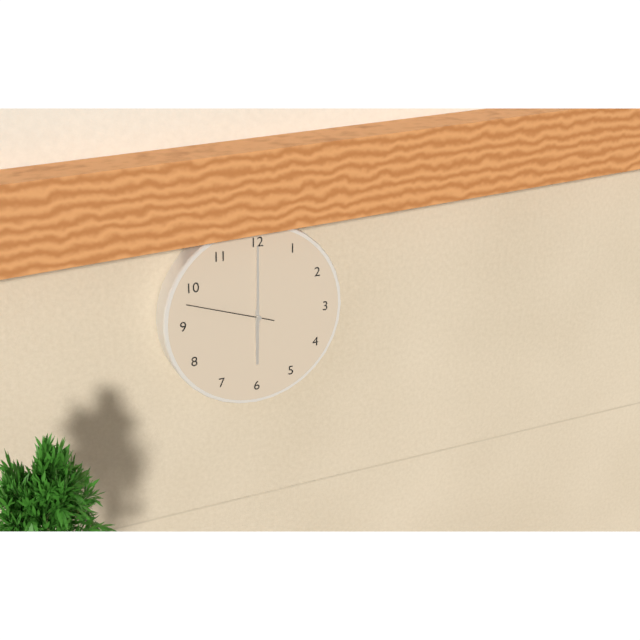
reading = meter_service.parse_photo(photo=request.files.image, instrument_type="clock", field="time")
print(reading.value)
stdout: 6:00:48
